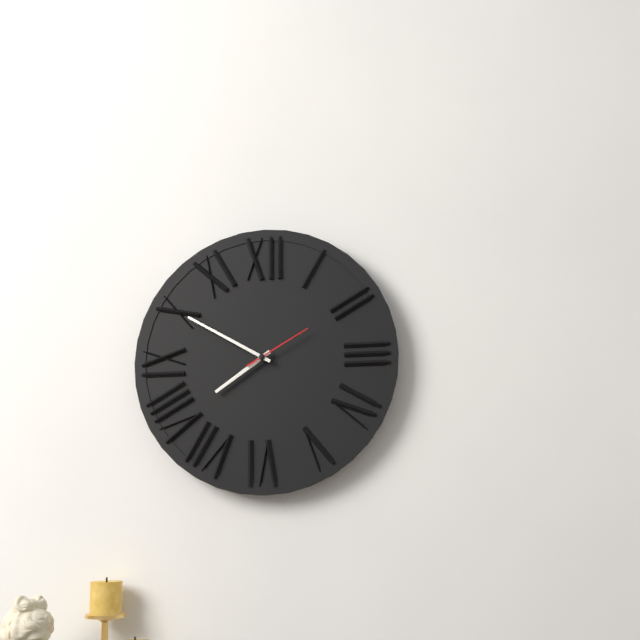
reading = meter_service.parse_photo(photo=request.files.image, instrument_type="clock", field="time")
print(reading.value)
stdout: 7:50:10
